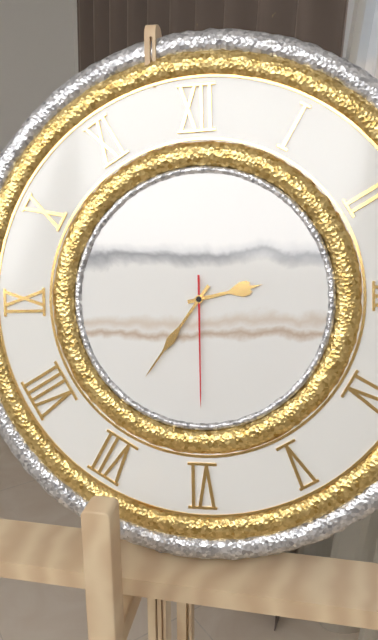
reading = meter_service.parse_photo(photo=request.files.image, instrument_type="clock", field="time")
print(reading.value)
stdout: 2:36:30
